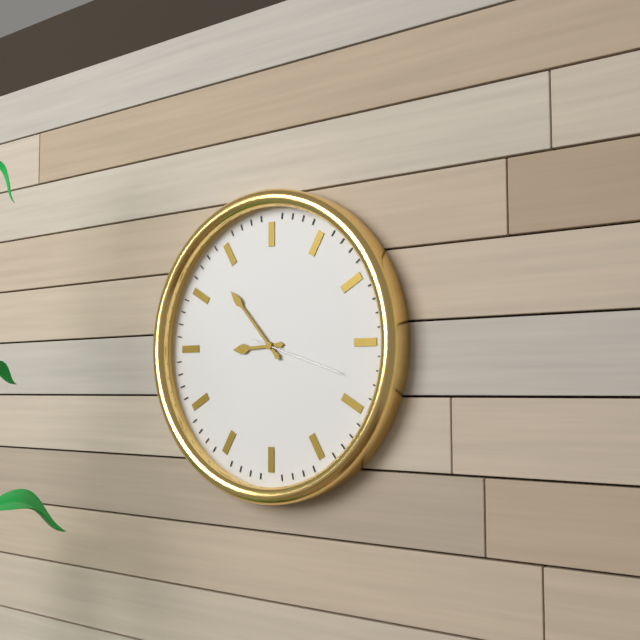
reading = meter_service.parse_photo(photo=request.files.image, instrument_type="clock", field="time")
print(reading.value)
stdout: 8:53:18
